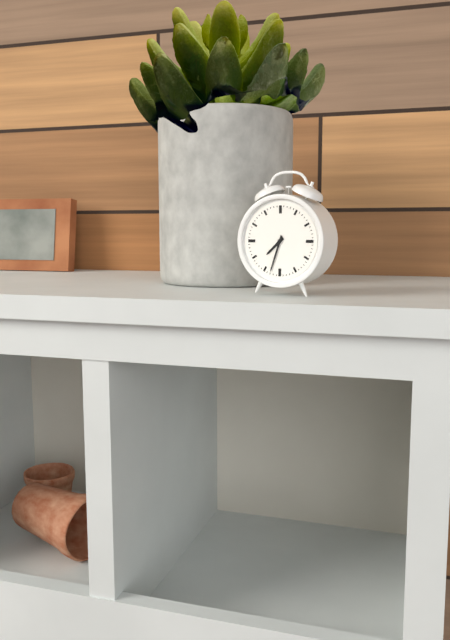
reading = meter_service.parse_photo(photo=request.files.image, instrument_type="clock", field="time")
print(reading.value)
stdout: 7:33
